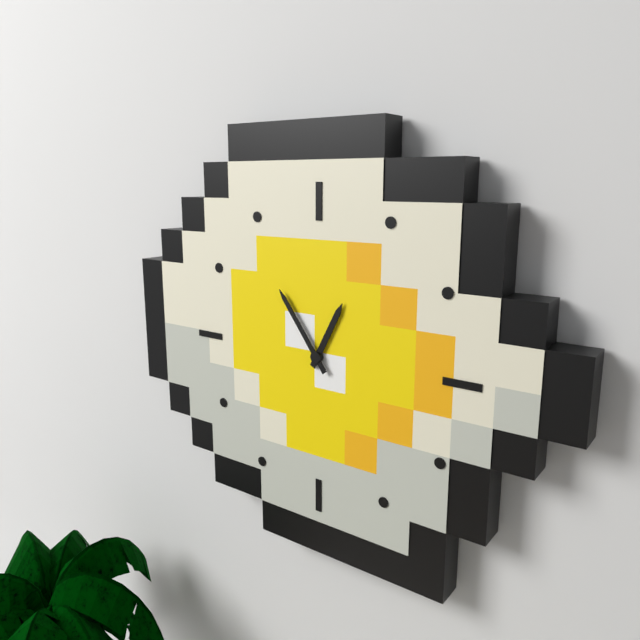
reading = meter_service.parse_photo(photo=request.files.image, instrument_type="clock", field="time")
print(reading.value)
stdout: 12:54
